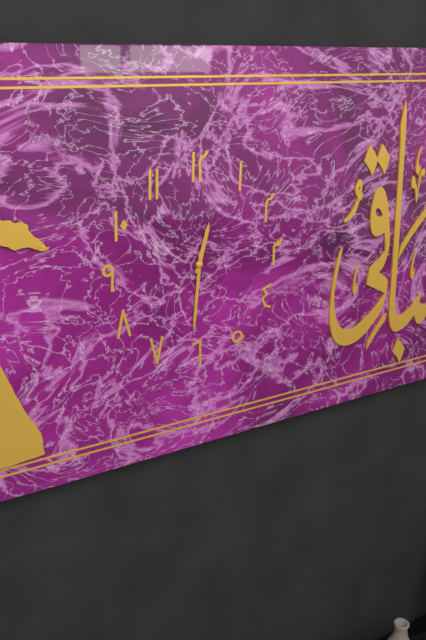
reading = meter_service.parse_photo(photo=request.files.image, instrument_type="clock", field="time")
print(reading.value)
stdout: 12:31
